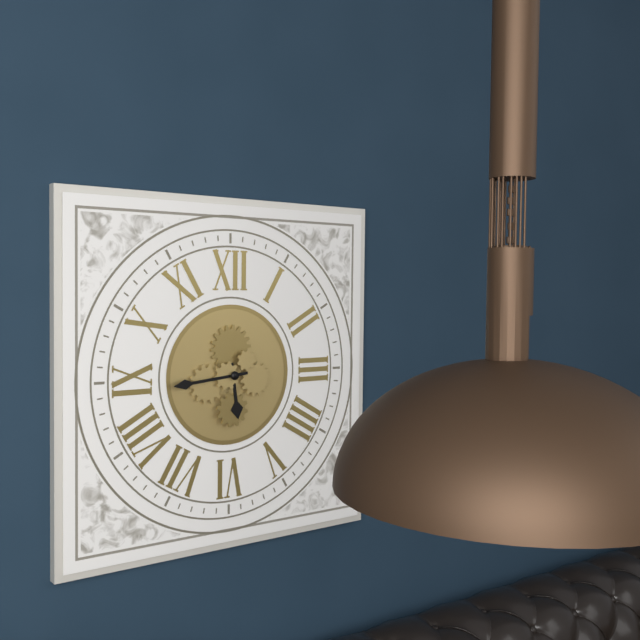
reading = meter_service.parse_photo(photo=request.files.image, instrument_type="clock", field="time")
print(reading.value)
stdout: 5:44
